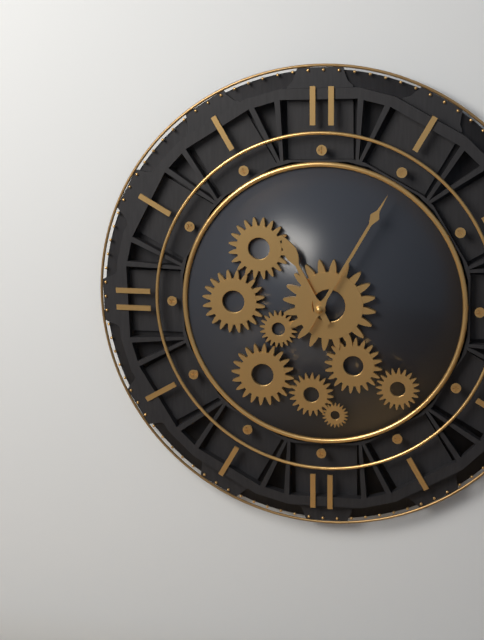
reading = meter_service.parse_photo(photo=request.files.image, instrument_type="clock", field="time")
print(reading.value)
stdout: 11:05
